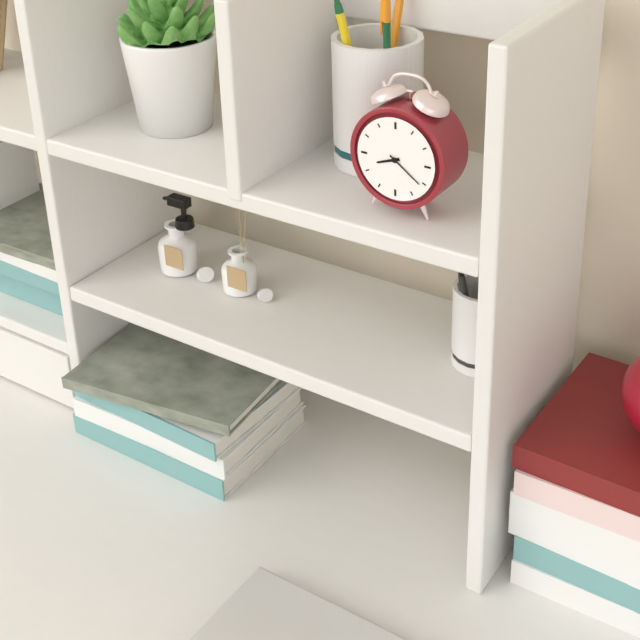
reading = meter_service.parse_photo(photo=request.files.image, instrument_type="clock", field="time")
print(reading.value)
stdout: 8:21
